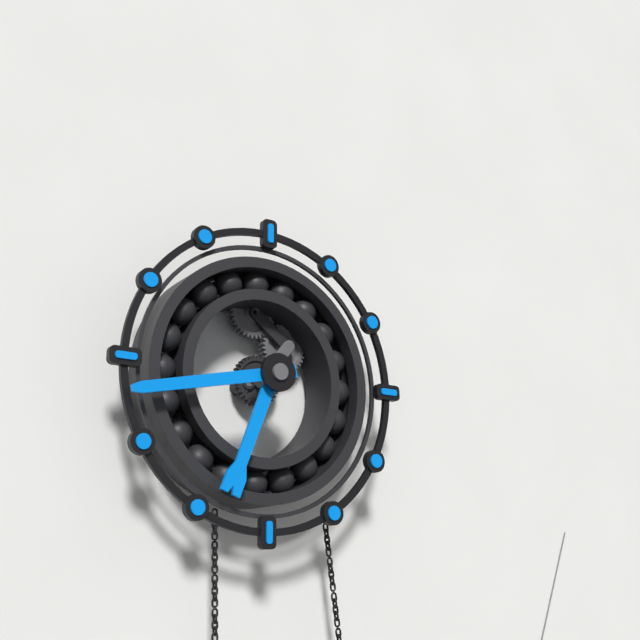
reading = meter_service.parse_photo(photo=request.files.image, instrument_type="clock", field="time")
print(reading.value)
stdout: 6:43
